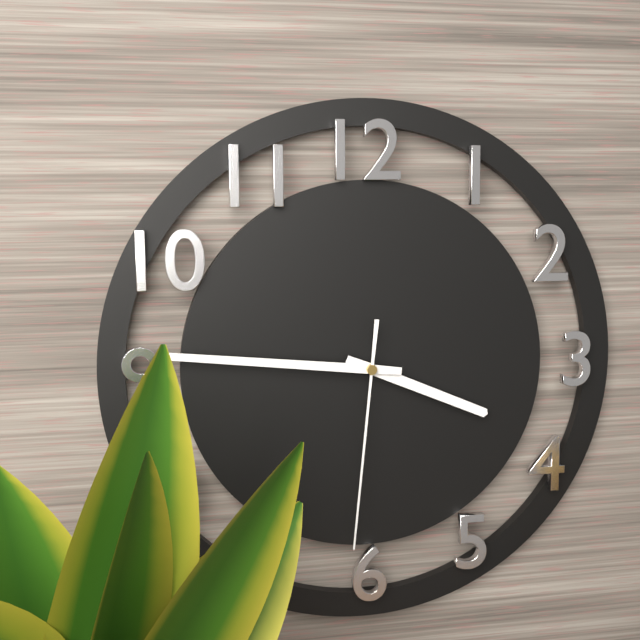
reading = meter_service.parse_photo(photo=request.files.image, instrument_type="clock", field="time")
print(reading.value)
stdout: 3:46:31
